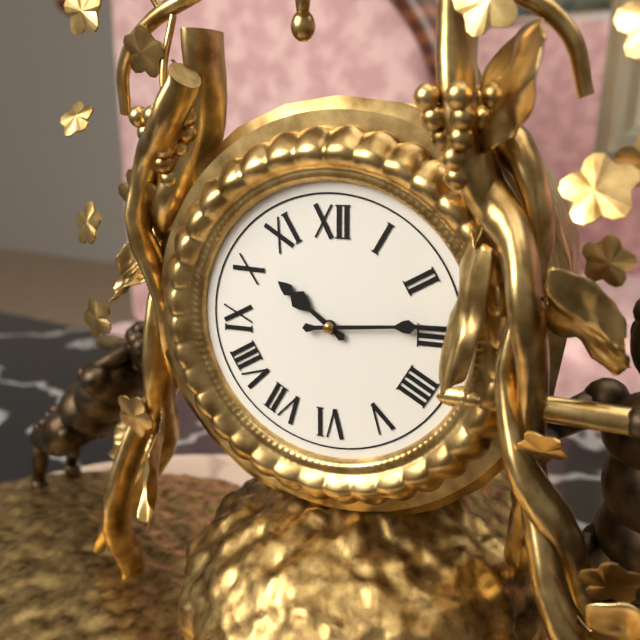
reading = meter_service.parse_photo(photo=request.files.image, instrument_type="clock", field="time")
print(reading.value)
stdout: 10:14
